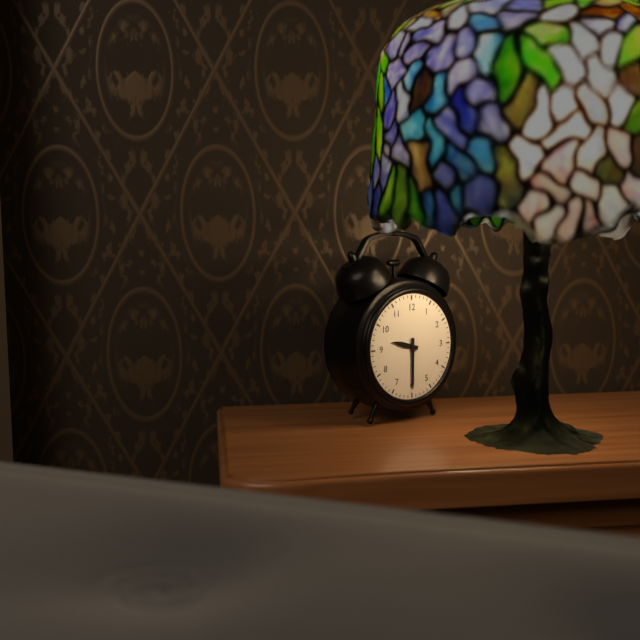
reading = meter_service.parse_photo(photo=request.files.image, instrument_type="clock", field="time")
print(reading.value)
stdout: 9:30
